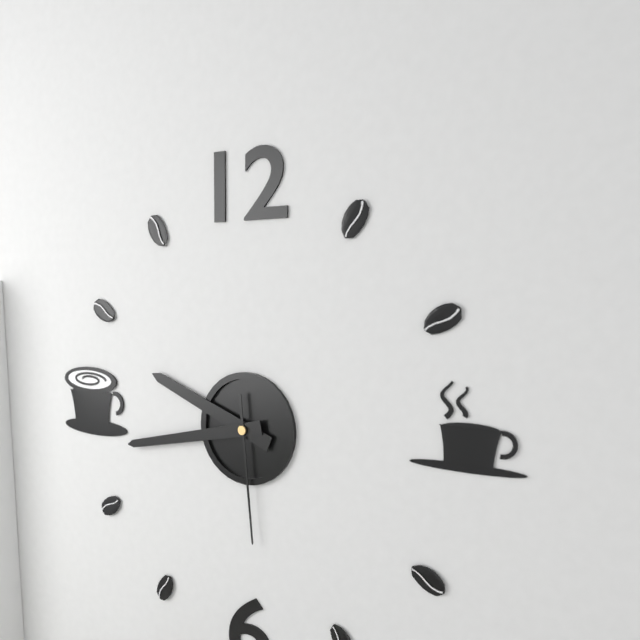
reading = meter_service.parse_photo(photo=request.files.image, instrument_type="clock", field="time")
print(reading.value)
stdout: 9:43:29
